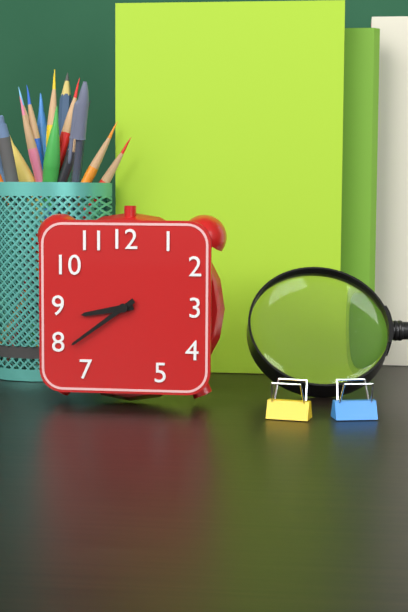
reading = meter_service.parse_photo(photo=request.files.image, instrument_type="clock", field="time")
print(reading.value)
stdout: 8:39
